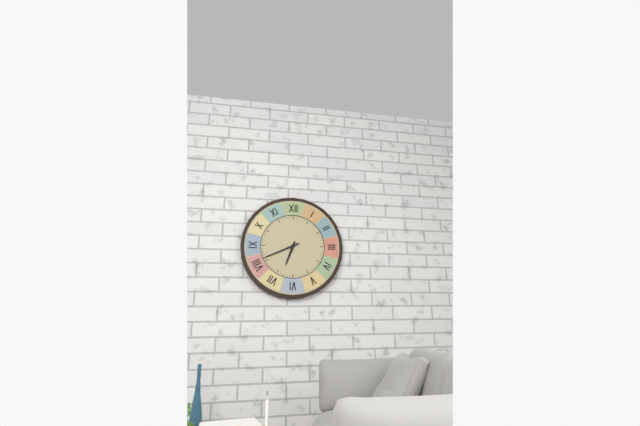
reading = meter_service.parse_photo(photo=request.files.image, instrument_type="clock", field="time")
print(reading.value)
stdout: 6:41
